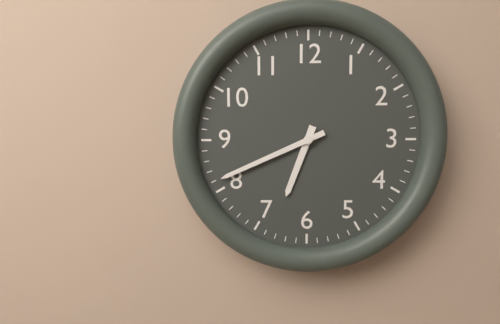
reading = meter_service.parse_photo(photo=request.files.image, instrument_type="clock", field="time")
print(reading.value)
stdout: 6:41
